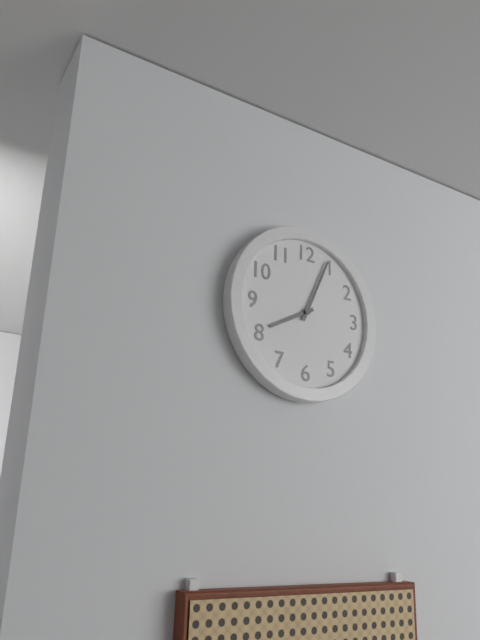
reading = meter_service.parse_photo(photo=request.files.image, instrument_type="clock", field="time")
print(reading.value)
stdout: 8:04
